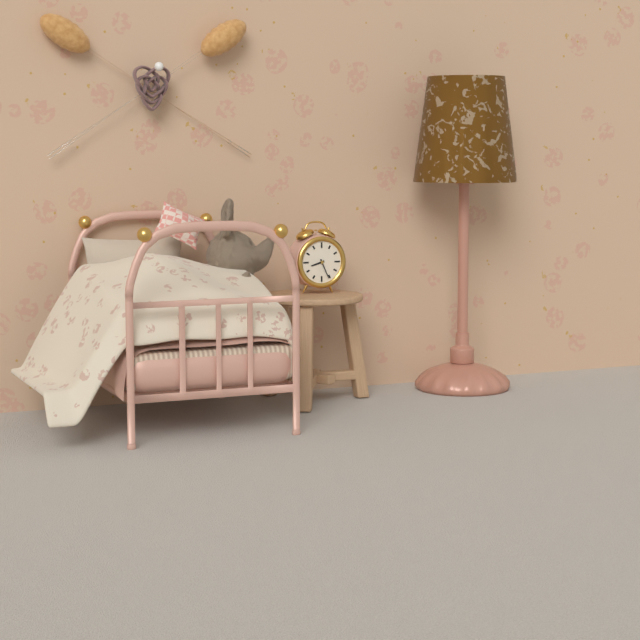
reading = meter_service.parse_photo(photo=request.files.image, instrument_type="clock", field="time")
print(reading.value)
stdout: 8:26
